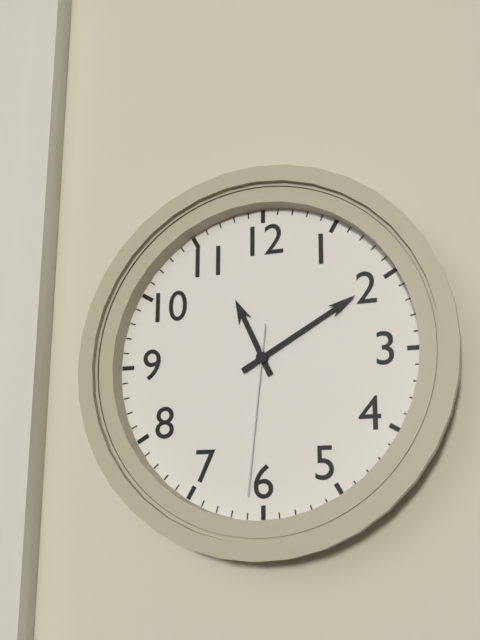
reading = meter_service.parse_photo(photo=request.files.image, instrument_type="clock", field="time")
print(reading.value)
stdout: 11:10:31
